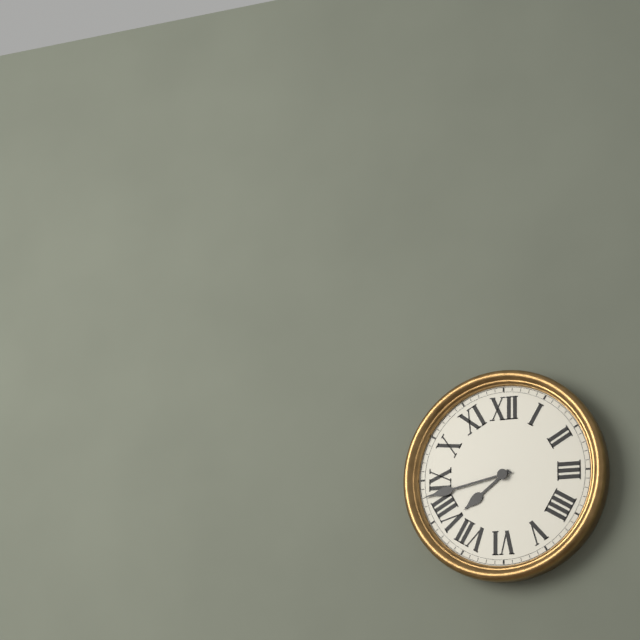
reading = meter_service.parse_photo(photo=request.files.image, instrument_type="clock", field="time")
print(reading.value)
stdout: 7:43
